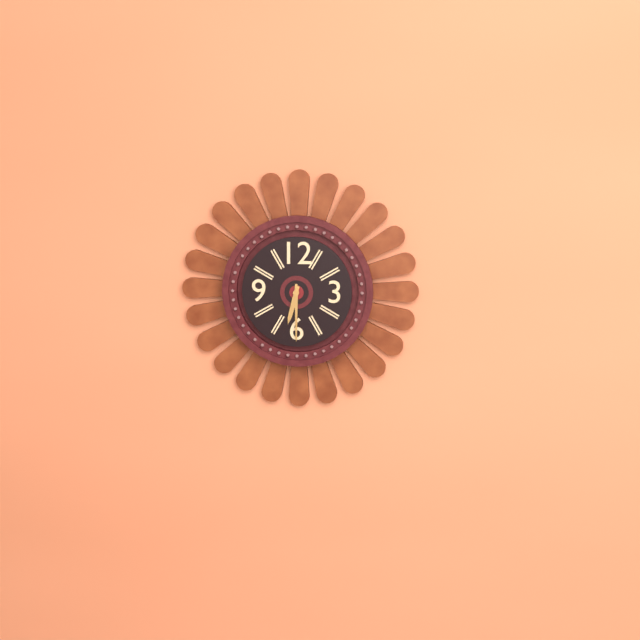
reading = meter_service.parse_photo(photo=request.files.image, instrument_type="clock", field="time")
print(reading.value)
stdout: 6:30
